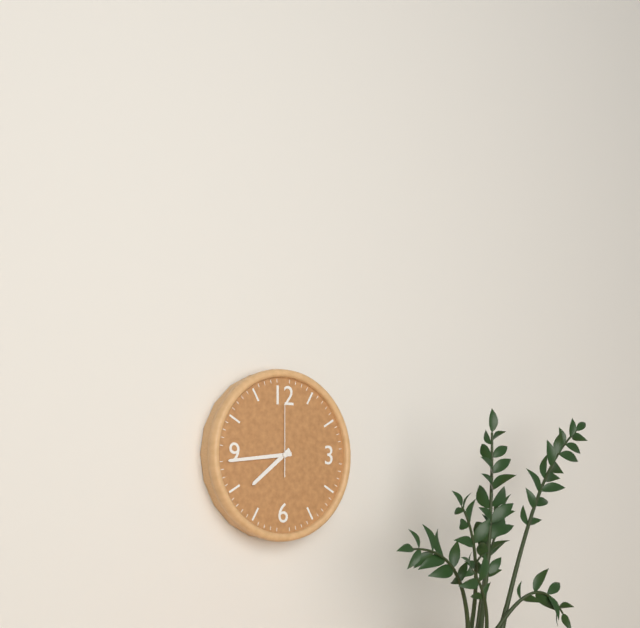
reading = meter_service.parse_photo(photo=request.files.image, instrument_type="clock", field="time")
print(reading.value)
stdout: 7:44:00
